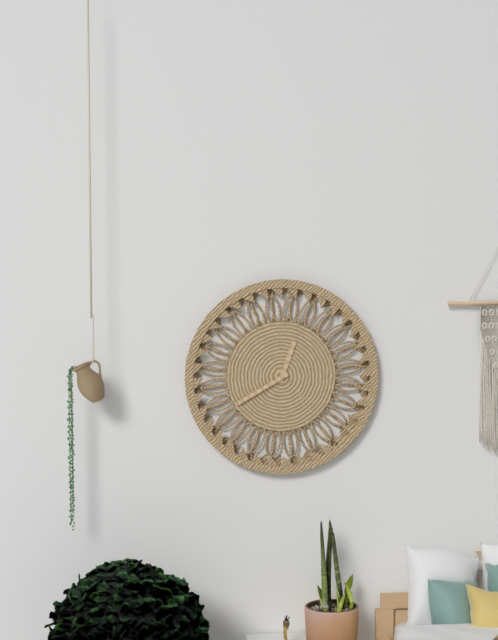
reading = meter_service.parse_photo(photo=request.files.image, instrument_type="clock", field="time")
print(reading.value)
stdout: 12:40
